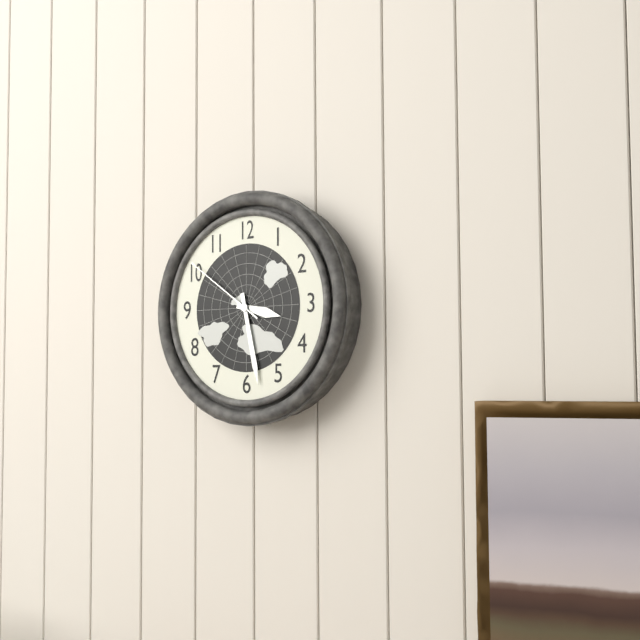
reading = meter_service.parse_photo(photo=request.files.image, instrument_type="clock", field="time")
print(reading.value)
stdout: 3:28:51
